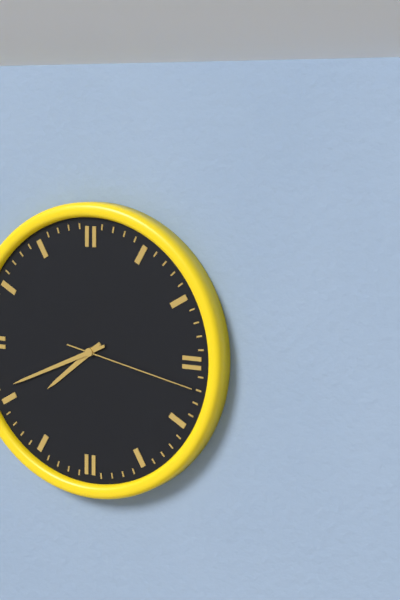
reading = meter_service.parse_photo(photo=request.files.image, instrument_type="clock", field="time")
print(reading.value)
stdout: 7:41:17
